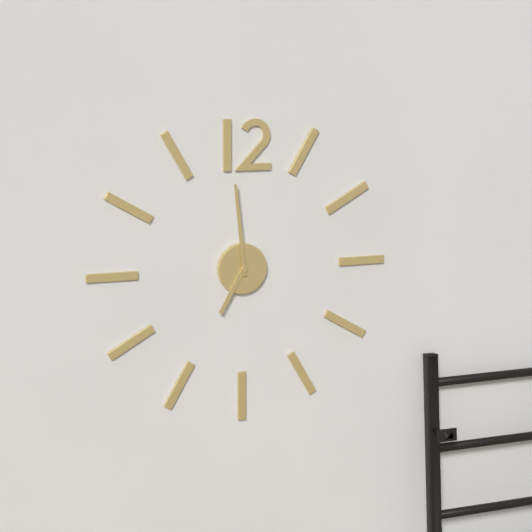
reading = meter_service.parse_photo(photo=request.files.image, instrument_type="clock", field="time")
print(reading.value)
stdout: 6:59
